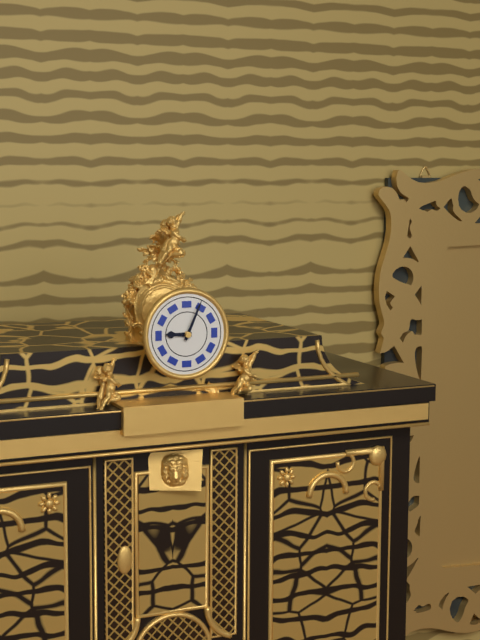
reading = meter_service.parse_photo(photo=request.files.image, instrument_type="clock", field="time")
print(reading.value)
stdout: 9:04
